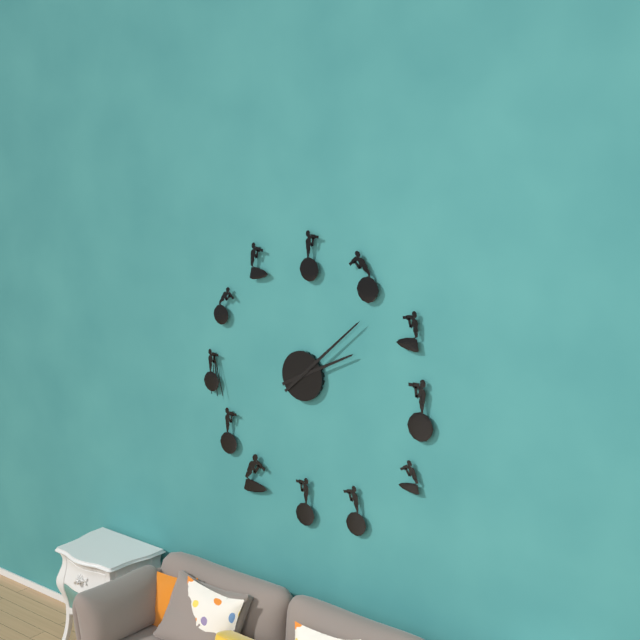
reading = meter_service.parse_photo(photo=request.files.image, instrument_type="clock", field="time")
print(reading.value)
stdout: 2:08
